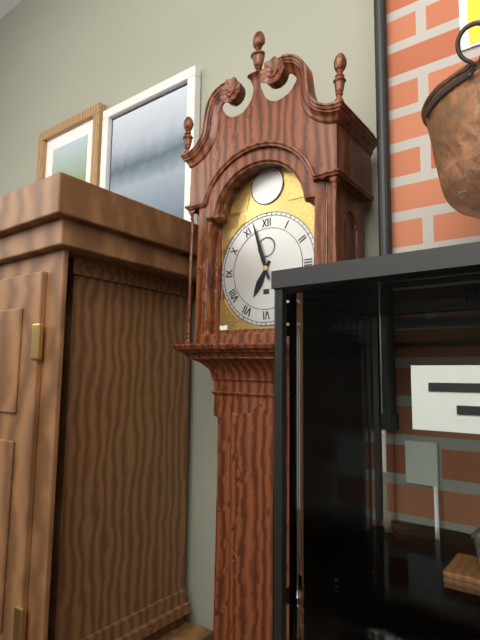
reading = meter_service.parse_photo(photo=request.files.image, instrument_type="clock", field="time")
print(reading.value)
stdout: 6:57
